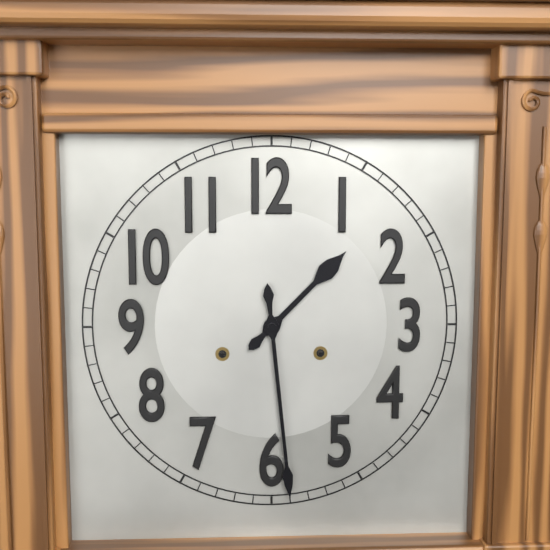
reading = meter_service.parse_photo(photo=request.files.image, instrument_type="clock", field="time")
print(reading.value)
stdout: 1:29
